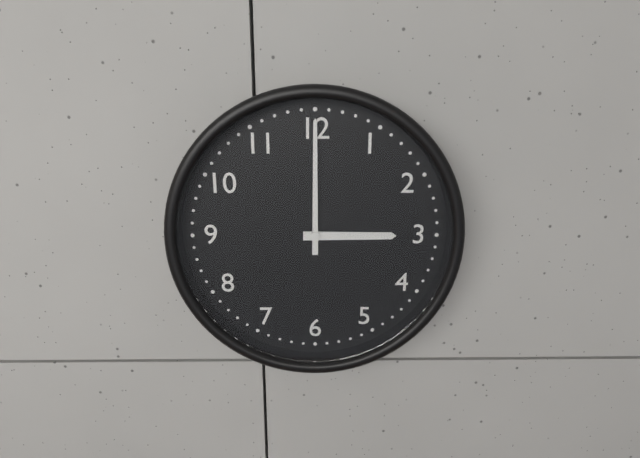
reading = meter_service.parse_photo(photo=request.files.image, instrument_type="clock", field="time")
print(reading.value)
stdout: 3:00
